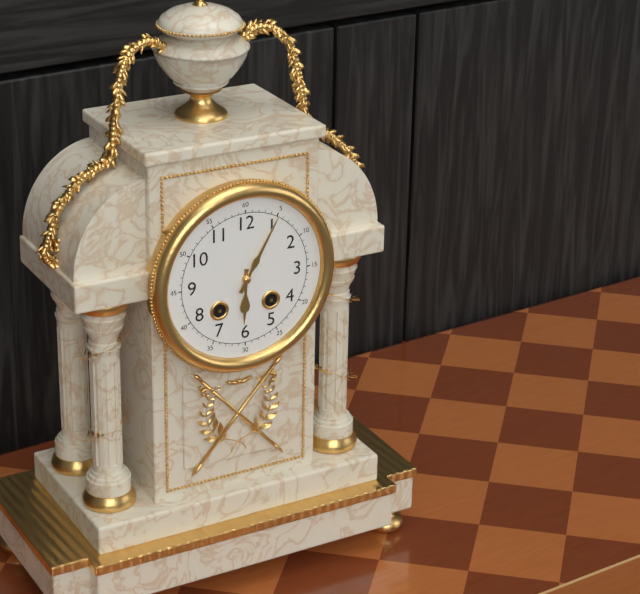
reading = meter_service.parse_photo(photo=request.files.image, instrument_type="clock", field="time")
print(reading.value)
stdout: 6:05
